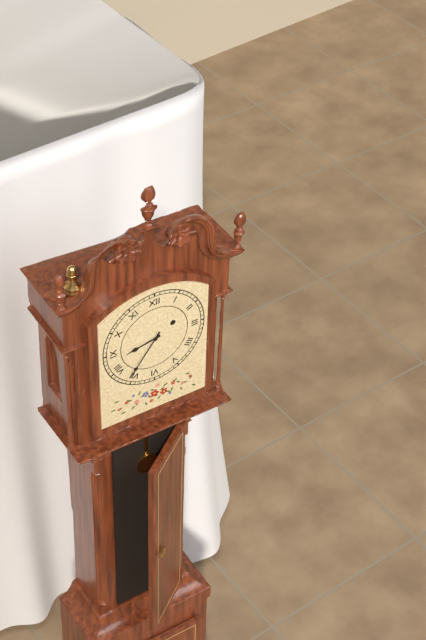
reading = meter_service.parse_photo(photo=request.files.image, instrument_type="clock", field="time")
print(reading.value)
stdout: 8:36
